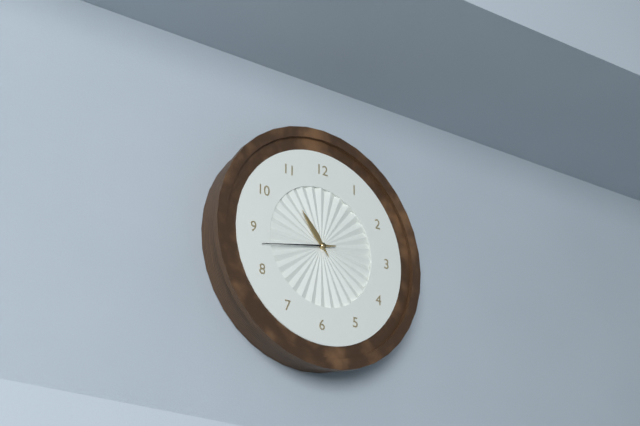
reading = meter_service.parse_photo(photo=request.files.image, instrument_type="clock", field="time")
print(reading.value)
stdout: 10:43
